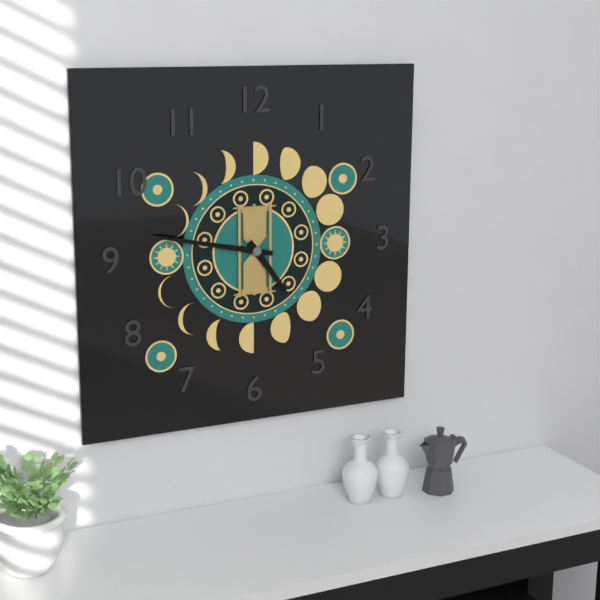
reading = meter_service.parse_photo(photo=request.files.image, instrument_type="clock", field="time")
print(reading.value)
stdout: 4:47
